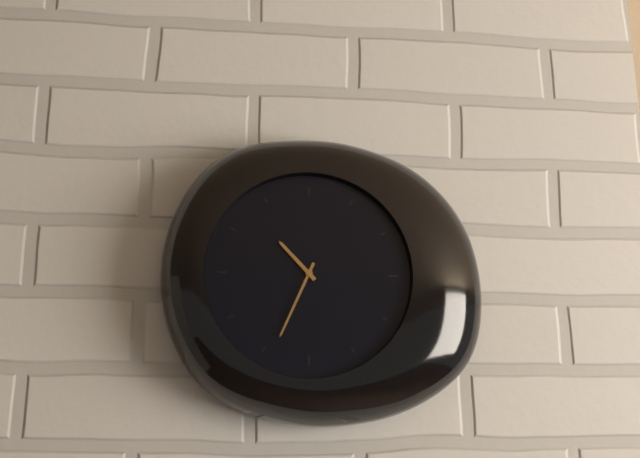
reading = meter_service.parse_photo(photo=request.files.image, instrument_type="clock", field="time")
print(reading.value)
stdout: 10:34
